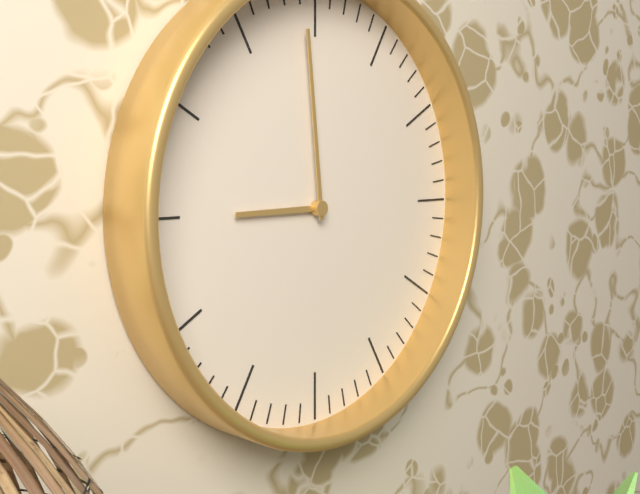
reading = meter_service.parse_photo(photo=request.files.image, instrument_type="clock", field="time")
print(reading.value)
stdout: 8:59
